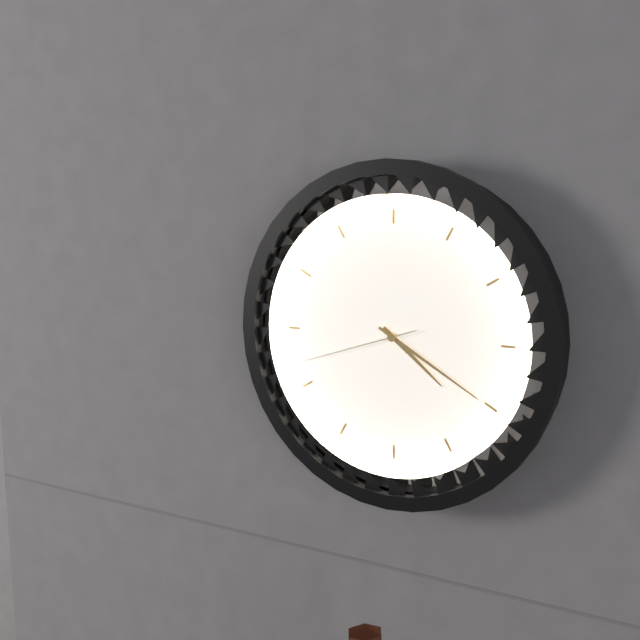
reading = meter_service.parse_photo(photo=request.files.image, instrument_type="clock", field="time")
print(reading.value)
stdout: 4:20:42
